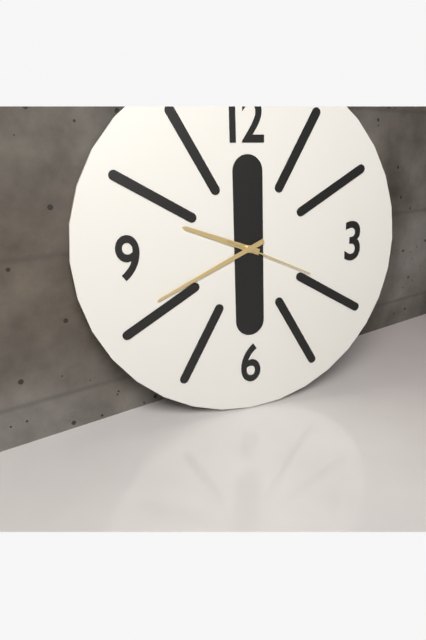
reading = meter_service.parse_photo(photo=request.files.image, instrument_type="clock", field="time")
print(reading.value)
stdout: 9:41:19
